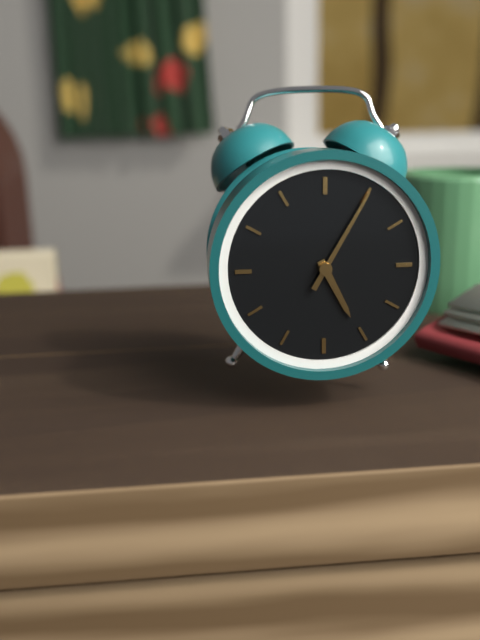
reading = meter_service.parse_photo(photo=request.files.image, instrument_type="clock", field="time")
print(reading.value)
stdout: 5:05
